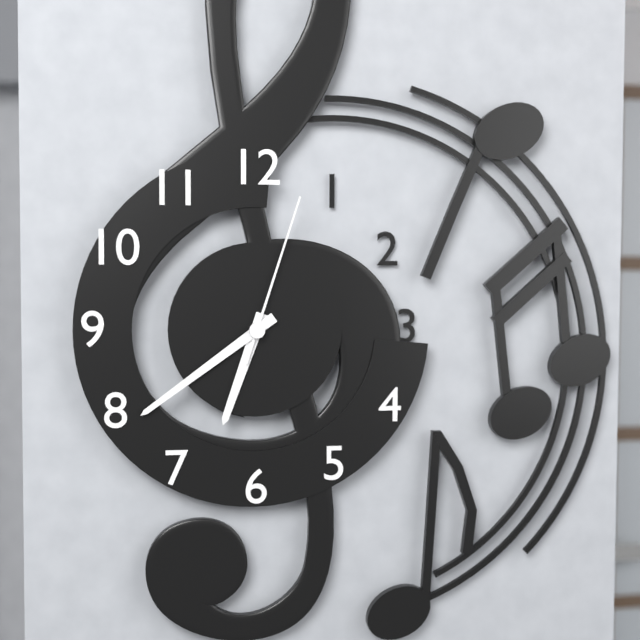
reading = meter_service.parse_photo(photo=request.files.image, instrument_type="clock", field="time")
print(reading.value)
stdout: 6:39:03
